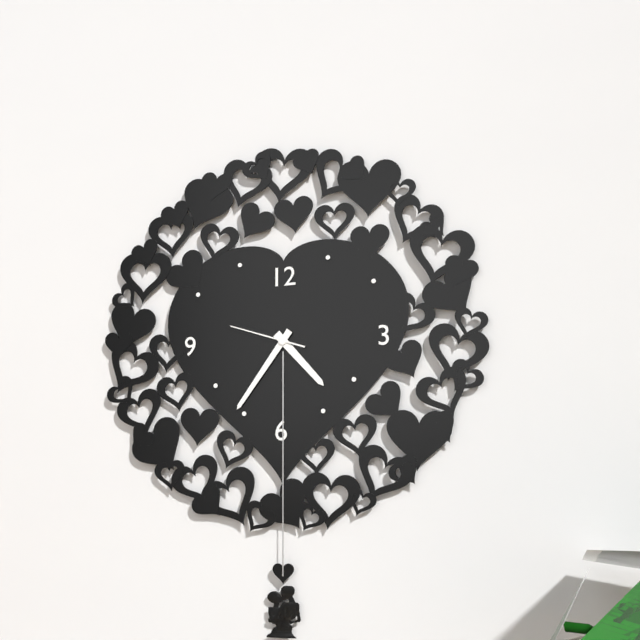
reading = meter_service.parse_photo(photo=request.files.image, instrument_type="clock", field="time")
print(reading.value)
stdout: 4:36:48
